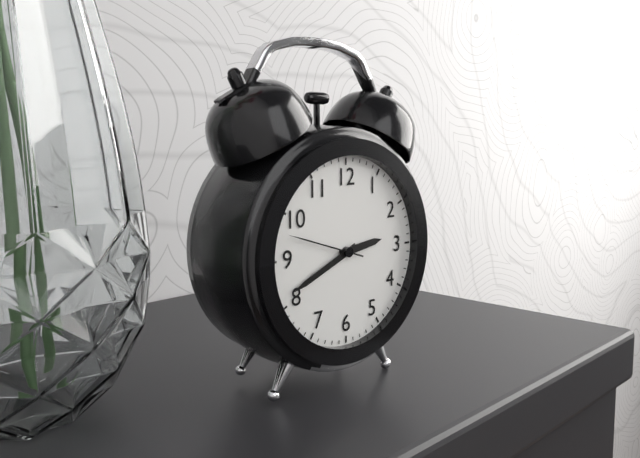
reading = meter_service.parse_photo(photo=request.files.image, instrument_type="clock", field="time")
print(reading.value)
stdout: 2:41:48
